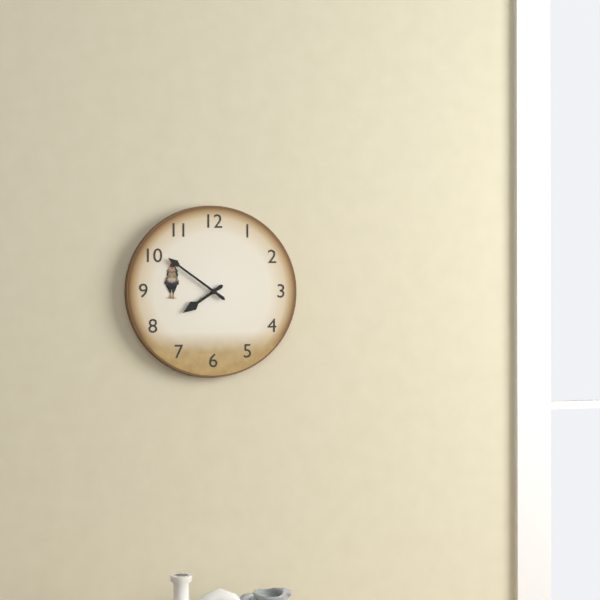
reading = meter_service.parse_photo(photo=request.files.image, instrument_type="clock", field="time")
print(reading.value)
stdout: 7:51
